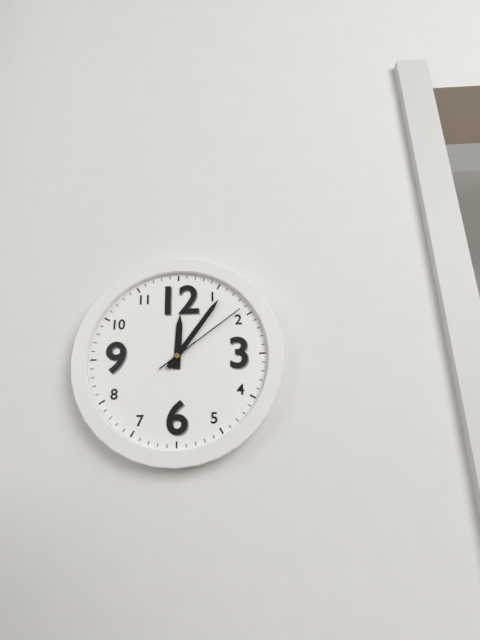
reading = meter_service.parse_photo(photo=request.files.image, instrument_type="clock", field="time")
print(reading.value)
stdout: 12:06:09
